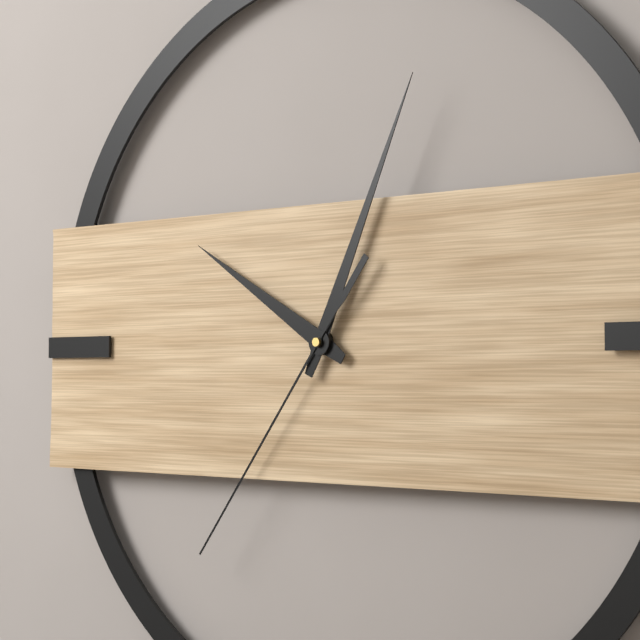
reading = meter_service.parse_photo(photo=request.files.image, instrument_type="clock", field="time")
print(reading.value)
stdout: 10:04:36
